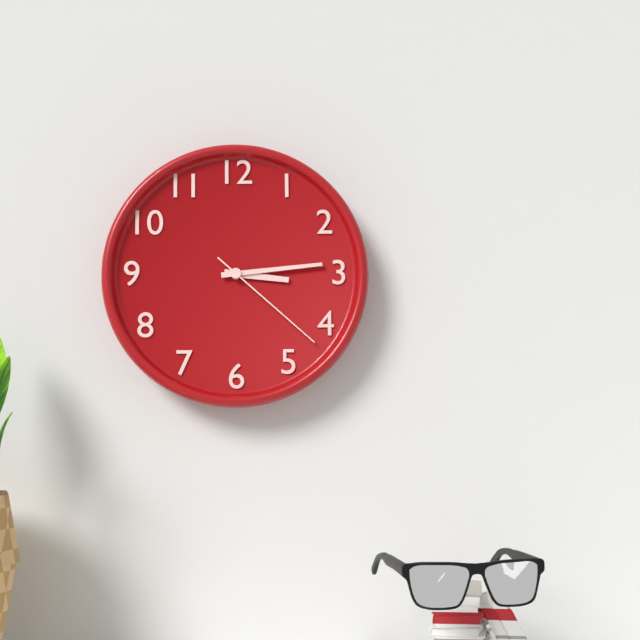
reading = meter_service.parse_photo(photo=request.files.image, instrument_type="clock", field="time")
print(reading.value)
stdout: 3:14:22
